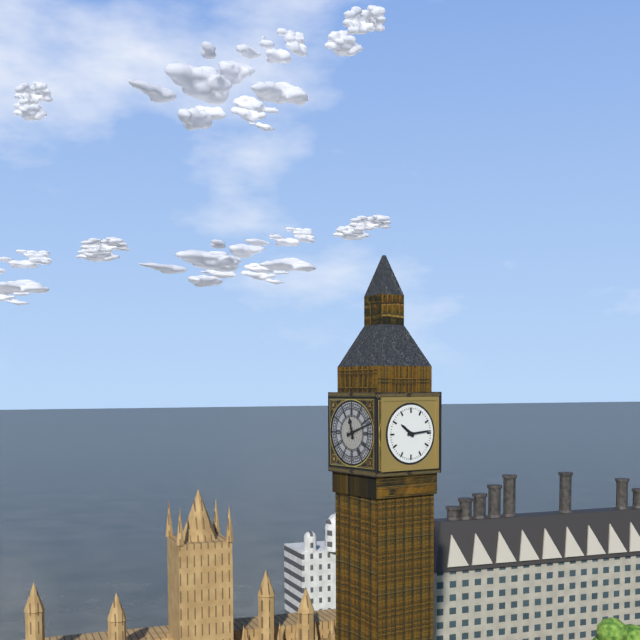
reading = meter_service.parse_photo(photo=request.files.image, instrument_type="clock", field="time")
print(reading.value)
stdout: 10:14
